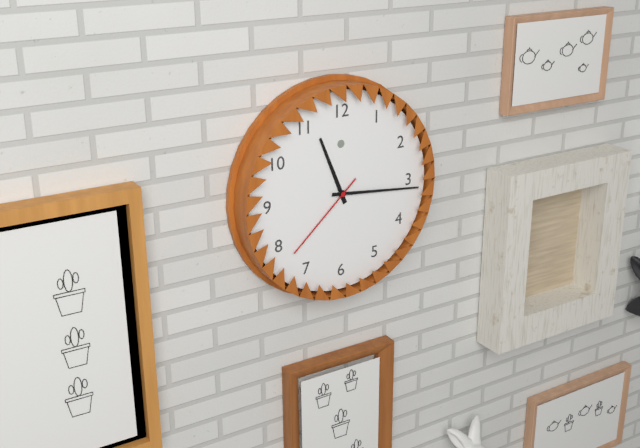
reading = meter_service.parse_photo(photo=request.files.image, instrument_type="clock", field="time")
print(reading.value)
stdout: 11:16:38
